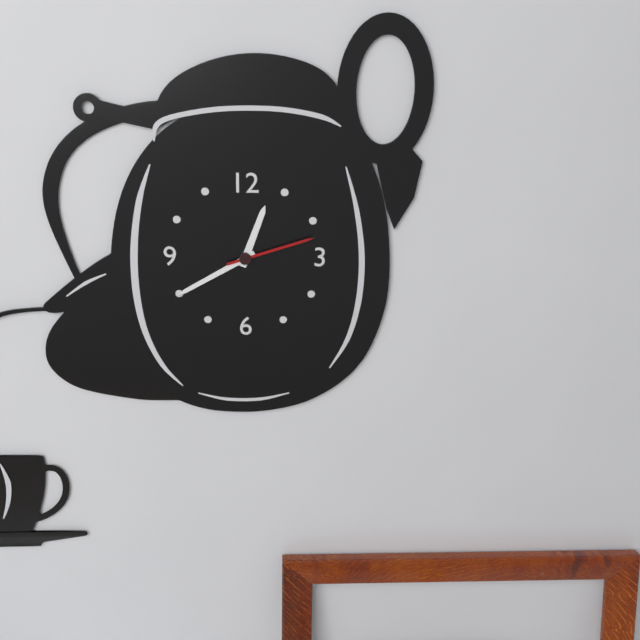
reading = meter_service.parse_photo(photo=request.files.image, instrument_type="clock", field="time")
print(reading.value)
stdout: 12:40:12
